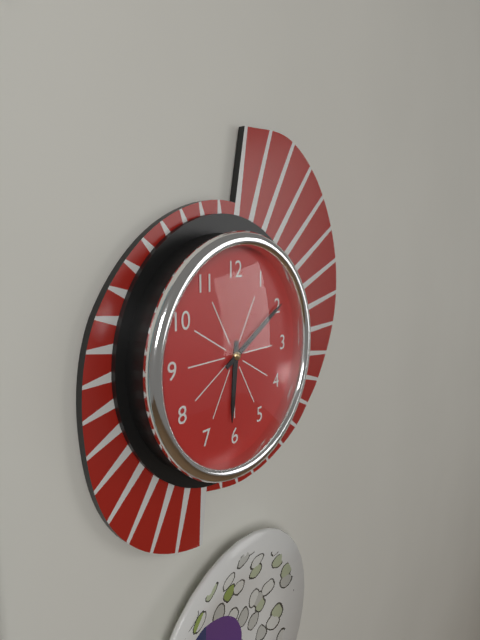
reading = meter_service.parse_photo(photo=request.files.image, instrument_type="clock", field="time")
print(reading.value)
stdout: 6:10
